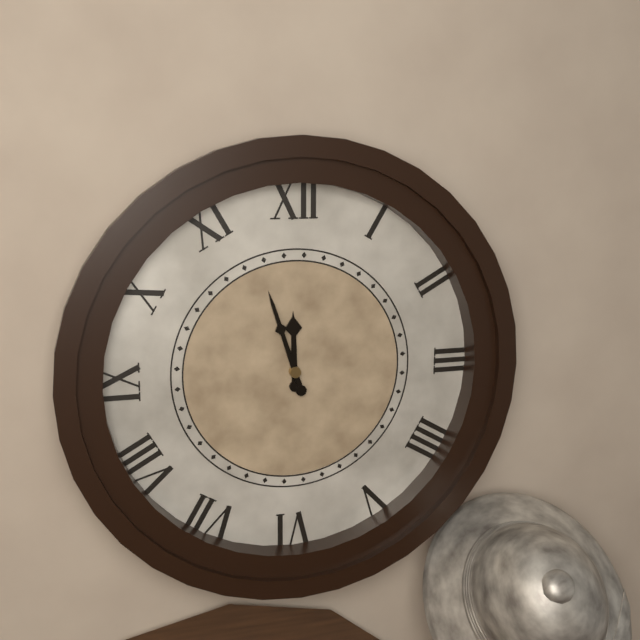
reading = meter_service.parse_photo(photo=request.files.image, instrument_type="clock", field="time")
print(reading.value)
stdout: 11:57
